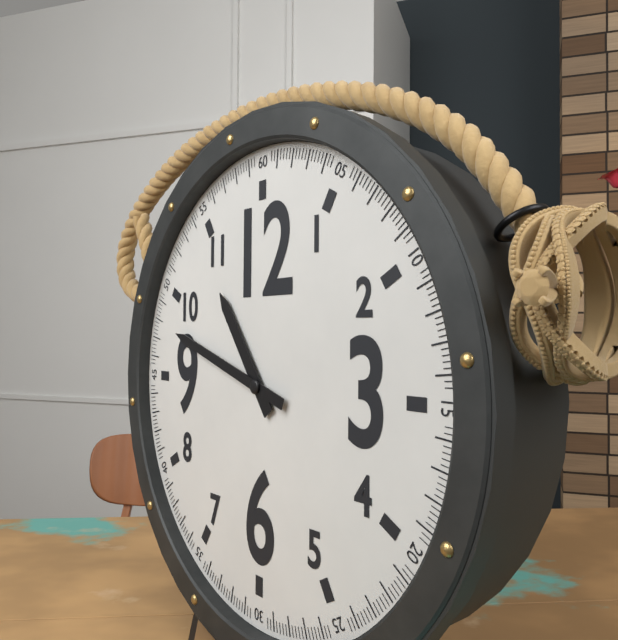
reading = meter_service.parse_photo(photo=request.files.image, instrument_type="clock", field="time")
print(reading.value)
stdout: 10:48
